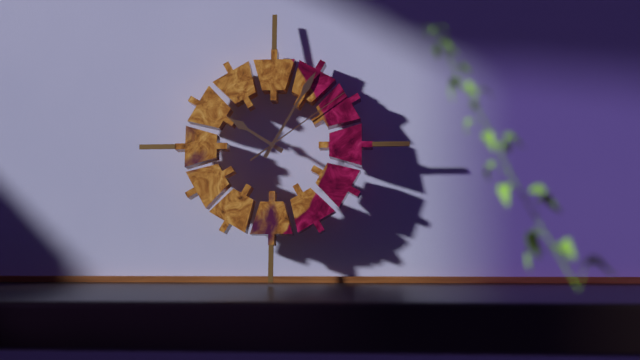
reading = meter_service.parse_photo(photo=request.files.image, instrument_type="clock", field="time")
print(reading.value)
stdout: 10:05:09
